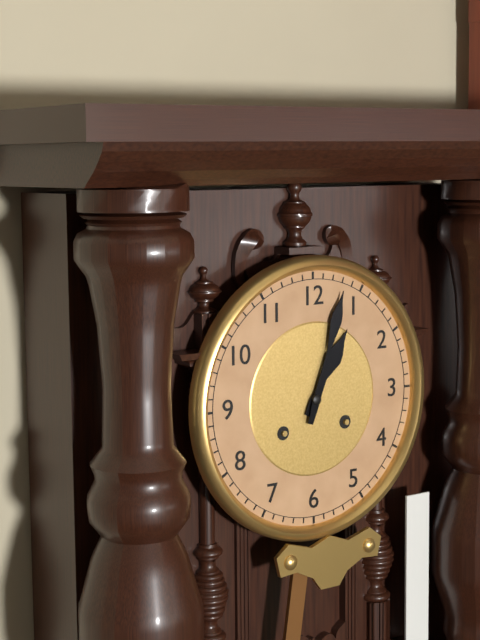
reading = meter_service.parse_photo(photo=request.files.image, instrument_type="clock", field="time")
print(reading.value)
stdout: 1:03
